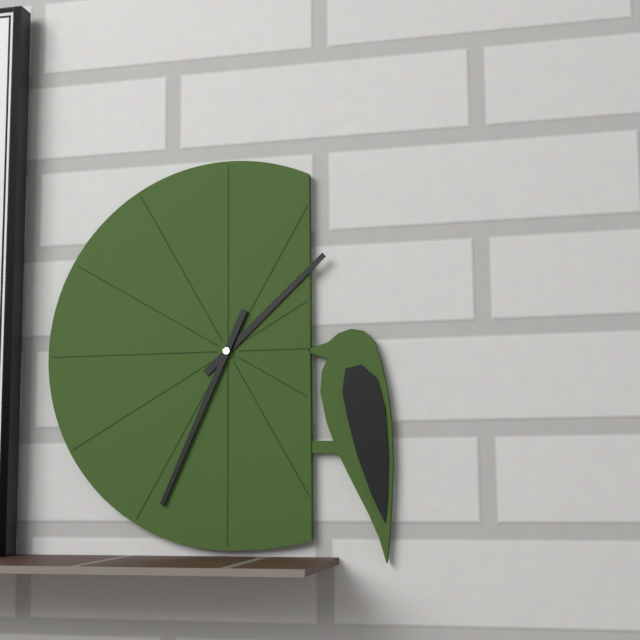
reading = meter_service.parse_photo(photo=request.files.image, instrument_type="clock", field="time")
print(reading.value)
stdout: 1:34
